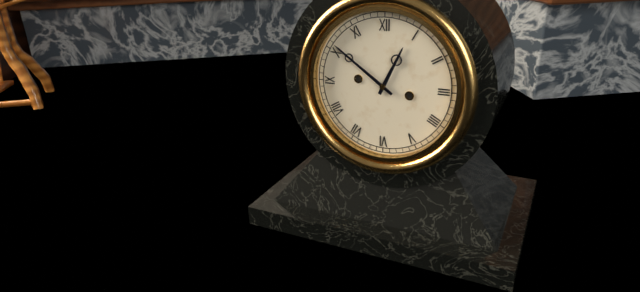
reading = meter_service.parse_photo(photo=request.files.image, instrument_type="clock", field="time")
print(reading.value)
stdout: 12:51
